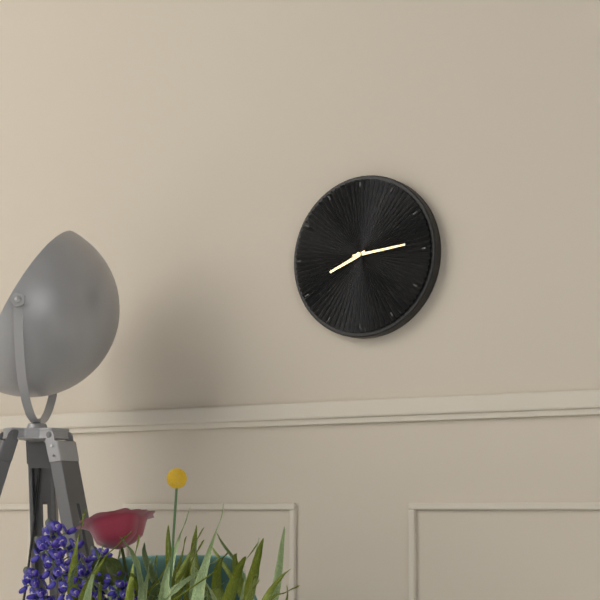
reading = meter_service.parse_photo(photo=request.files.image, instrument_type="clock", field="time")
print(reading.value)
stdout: 8:14
